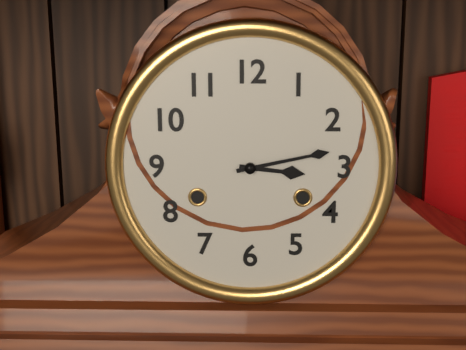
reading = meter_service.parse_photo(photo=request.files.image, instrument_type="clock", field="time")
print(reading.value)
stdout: 3:13
